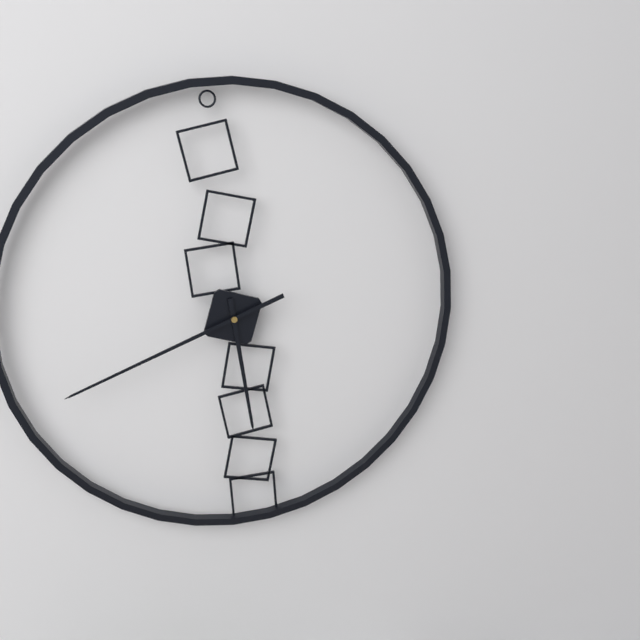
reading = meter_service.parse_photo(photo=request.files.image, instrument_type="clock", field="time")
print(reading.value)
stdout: 5:41
